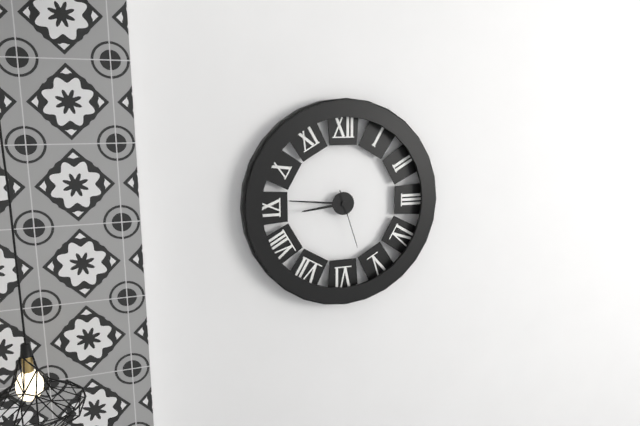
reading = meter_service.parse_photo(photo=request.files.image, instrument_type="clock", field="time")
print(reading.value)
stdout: 8:46:27
